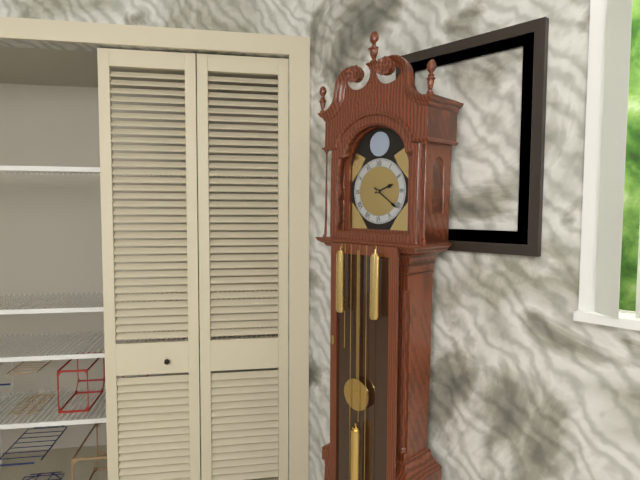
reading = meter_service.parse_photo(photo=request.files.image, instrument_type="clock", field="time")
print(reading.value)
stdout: 2:21
